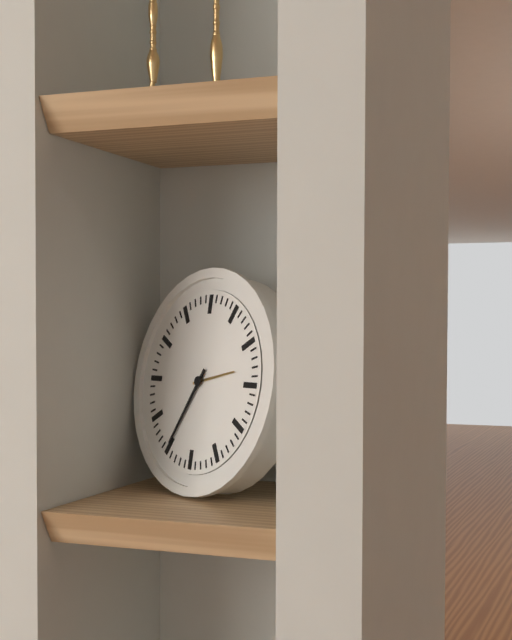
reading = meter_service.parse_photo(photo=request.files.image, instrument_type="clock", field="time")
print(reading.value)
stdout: 2:35
